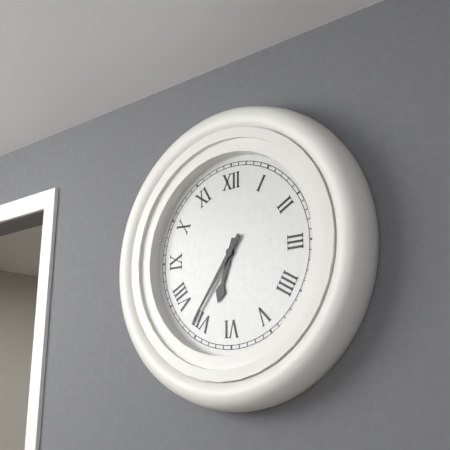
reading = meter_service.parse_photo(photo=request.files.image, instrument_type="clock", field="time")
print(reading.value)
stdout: 6:36
